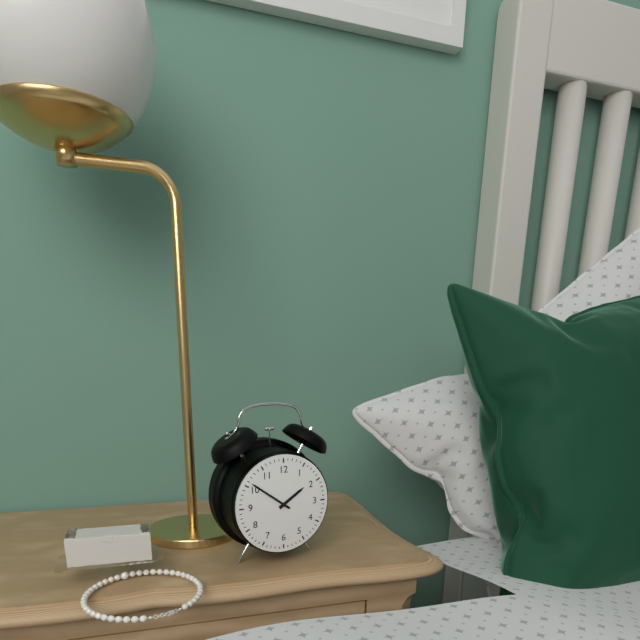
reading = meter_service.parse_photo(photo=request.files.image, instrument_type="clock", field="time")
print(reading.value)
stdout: 1:51
